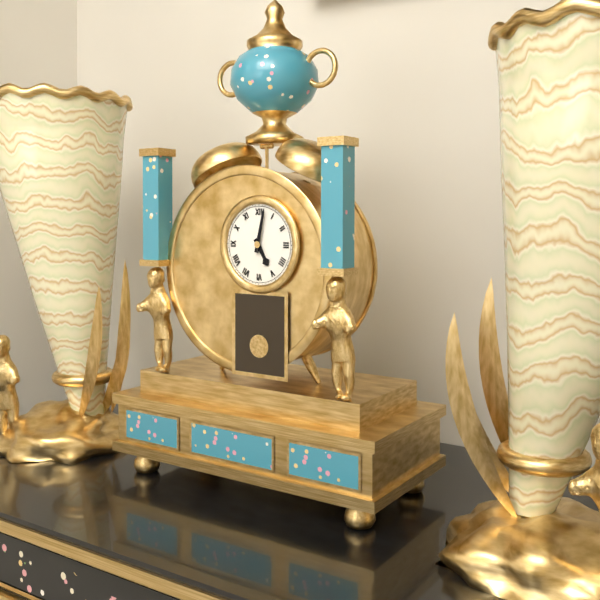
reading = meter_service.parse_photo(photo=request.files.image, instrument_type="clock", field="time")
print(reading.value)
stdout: 5:02
